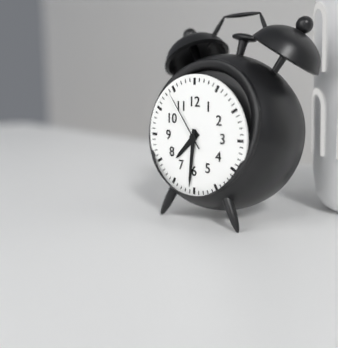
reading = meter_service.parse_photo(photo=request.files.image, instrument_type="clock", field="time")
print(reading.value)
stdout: 7:31:54
